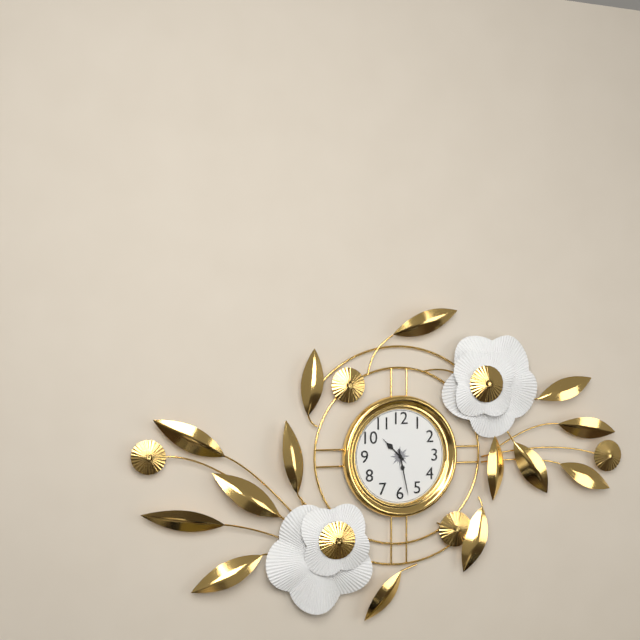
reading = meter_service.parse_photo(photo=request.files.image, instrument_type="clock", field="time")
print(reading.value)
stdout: 10:28
